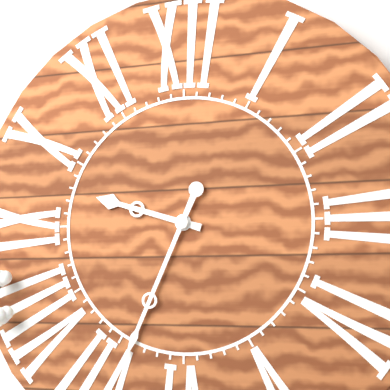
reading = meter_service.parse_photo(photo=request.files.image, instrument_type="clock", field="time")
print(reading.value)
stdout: 9:34
